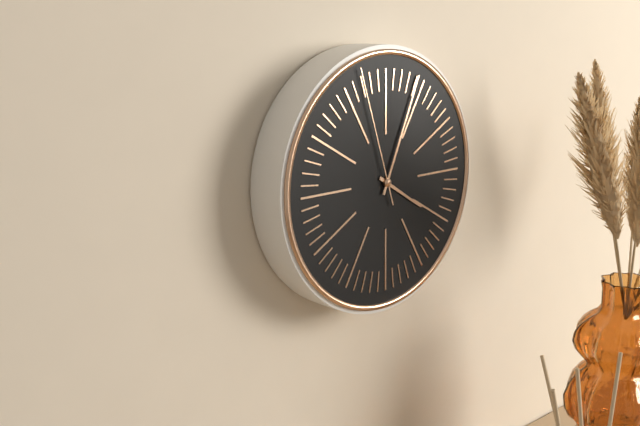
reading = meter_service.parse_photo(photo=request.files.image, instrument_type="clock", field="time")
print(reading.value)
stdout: 4:04:57
